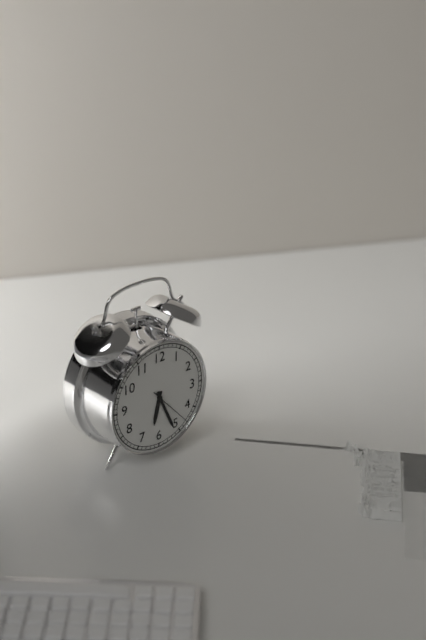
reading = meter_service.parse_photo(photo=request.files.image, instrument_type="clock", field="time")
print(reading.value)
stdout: 6:26
